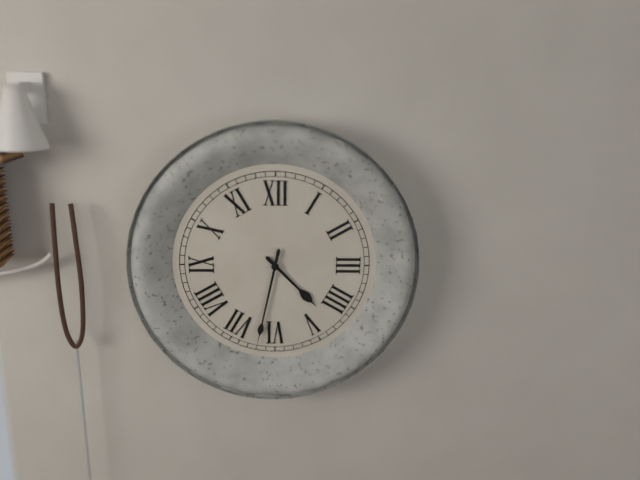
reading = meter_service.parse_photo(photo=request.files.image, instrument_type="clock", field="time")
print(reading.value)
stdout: 4:32
